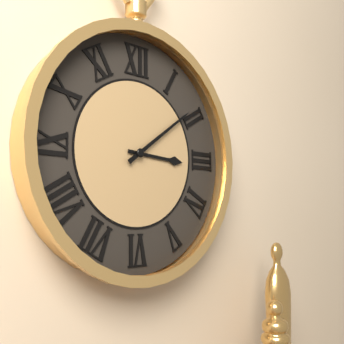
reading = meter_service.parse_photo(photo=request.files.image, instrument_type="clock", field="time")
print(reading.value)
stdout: 3:09
